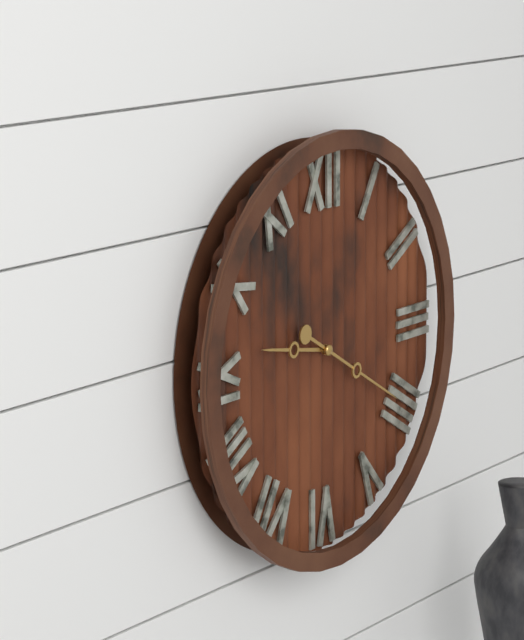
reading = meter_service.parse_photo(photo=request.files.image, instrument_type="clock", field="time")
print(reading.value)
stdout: 9:20
